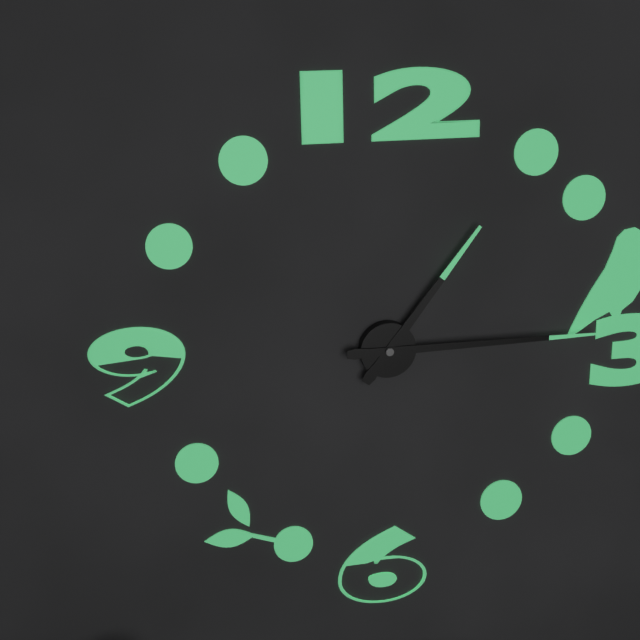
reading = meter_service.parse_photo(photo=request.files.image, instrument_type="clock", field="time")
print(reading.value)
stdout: 1:15
